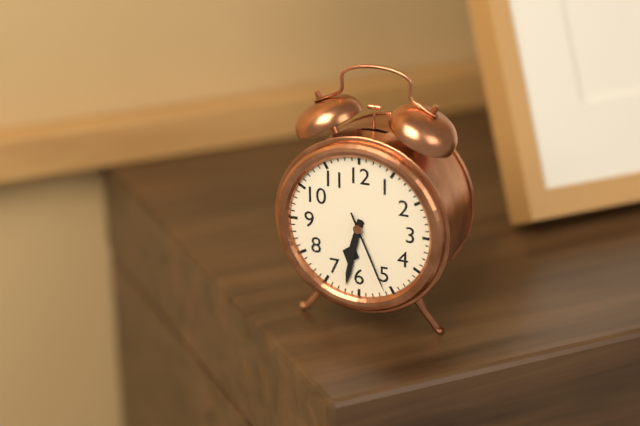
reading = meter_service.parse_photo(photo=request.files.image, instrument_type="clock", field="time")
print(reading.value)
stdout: 6:32:26
